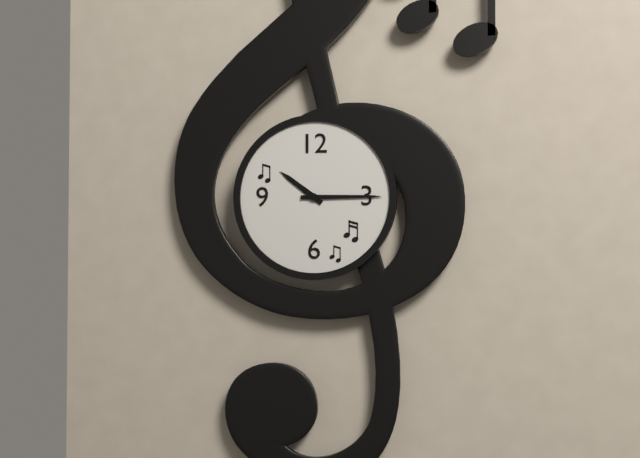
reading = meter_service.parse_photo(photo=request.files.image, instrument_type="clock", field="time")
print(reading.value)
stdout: 10:15
